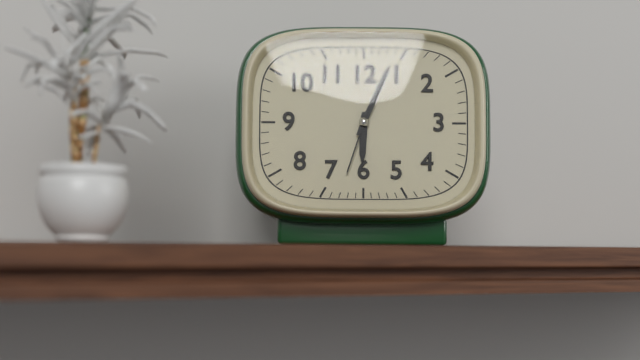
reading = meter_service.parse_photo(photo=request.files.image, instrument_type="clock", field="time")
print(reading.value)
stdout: 6:04:33
